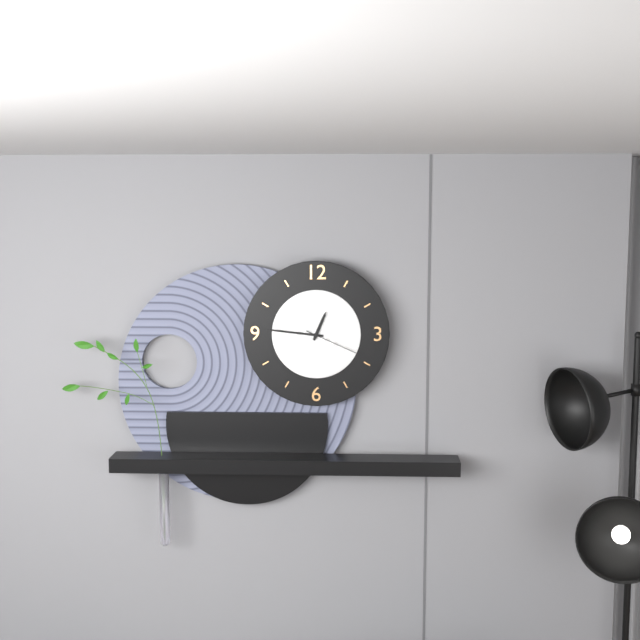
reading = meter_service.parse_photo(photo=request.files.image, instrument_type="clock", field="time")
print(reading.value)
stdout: 12:46:19
